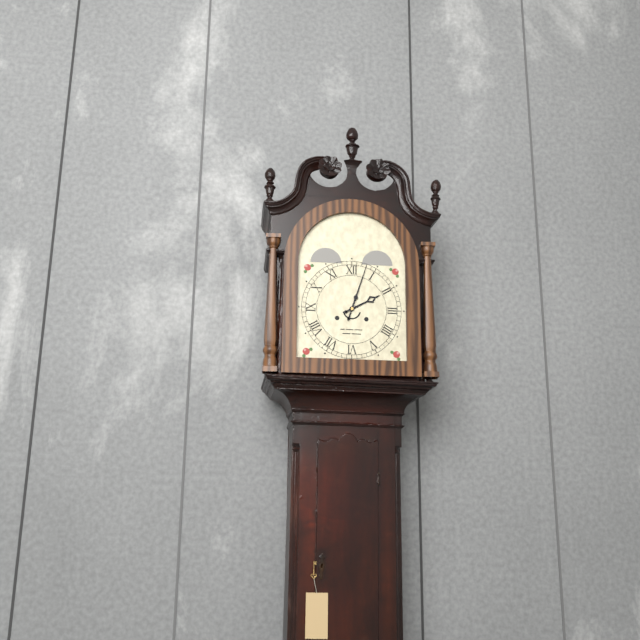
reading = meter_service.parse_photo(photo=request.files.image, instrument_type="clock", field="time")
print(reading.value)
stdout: 2:03
